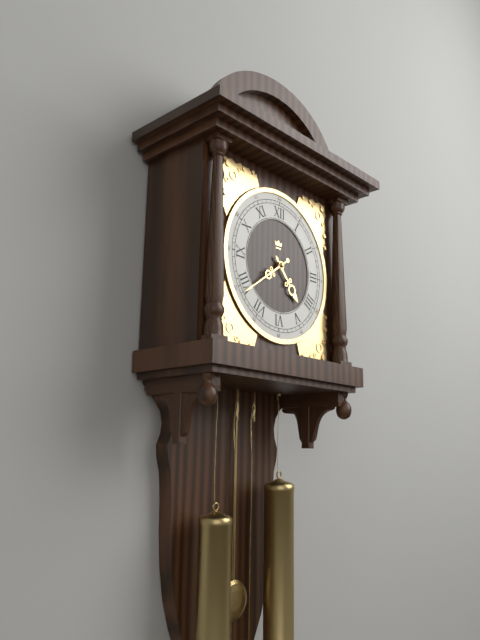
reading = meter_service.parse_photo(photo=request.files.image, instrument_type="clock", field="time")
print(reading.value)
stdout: 4:39
